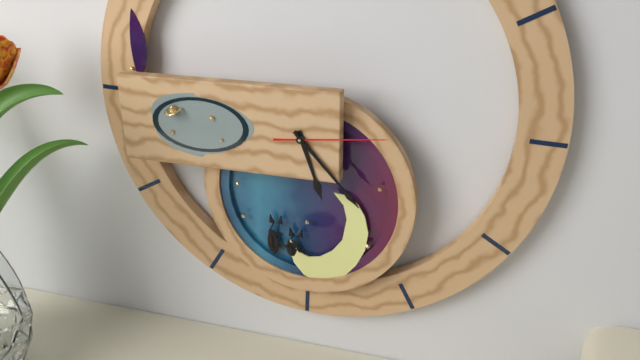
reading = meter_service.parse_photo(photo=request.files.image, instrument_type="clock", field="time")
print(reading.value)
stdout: 5:23:14
